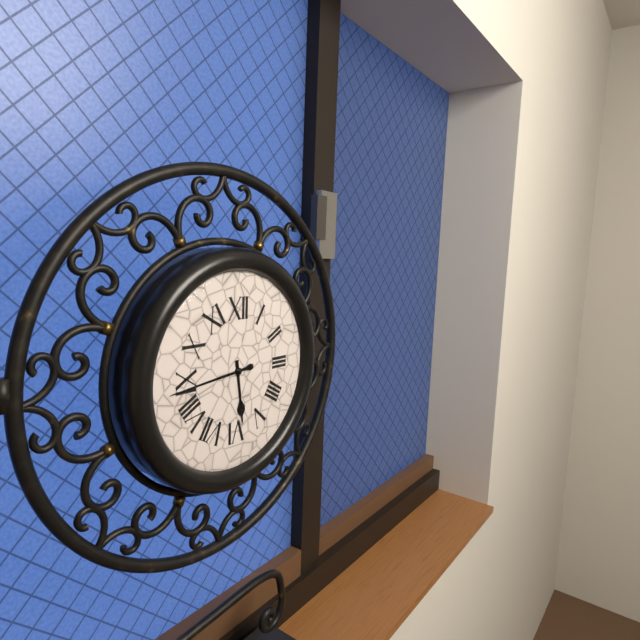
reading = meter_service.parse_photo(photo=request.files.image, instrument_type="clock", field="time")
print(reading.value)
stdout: 5:44
